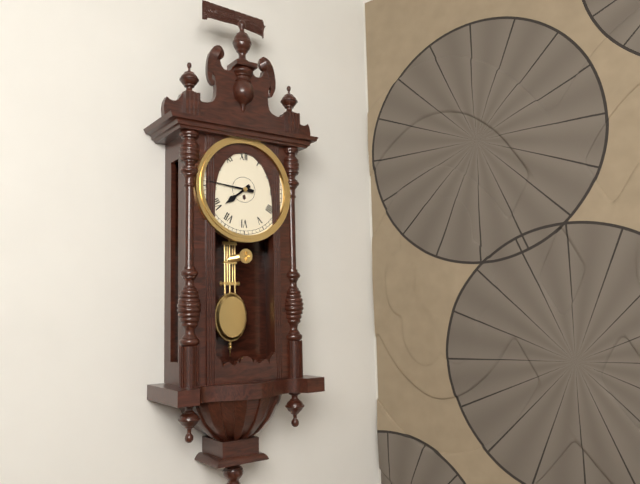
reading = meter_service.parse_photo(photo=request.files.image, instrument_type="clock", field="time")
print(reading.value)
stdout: 7:46
